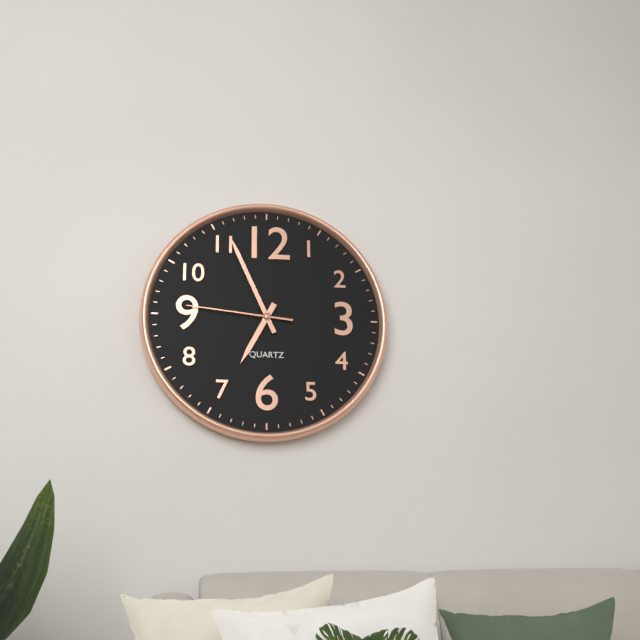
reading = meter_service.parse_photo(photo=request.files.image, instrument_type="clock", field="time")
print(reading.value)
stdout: 6:56:46
